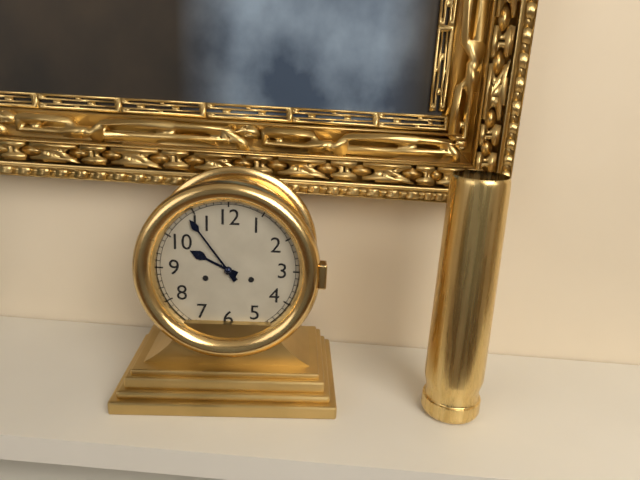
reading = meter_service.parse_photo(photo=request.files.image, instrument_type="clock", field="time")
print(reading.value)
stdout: 9:54
